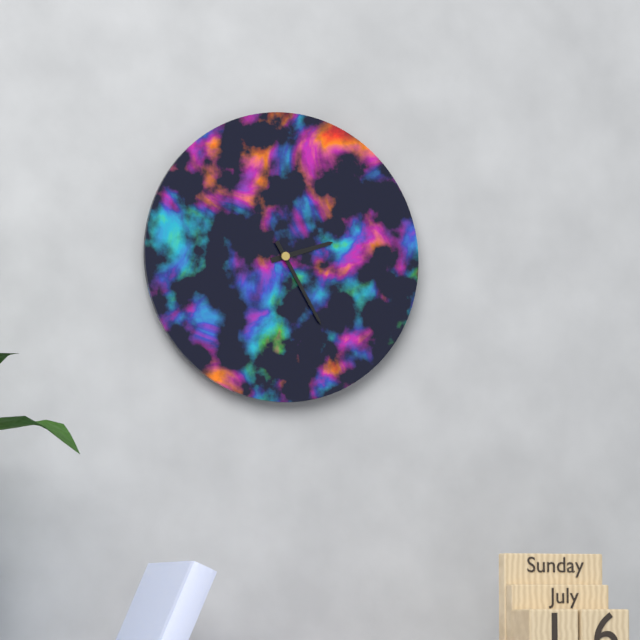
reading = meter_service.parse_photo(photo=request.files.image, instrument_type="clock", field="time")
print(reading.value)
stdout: 2:25
